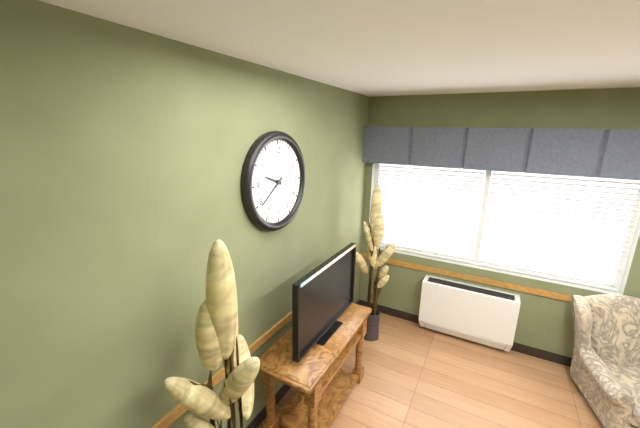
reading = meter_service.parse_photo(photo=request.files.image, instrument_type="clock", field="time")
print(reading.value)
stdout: 9:39
